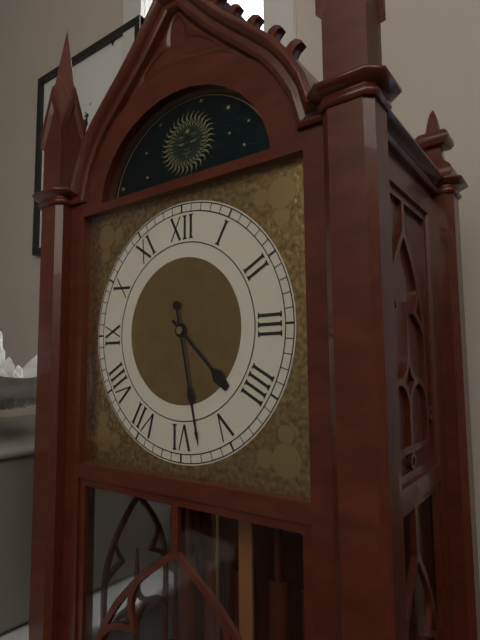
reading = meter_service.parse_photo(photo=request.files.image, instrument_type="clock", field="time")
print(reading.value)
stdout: 4:28
